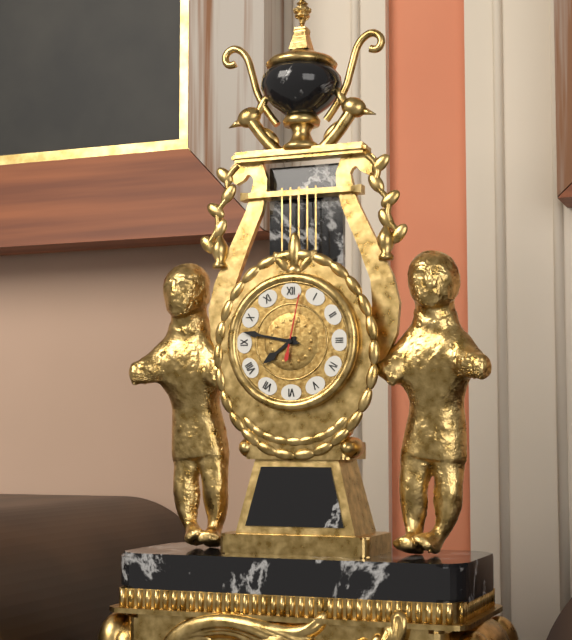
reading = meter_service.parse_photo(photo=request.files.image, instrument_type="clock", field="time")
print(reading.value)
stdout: 7:47:02
